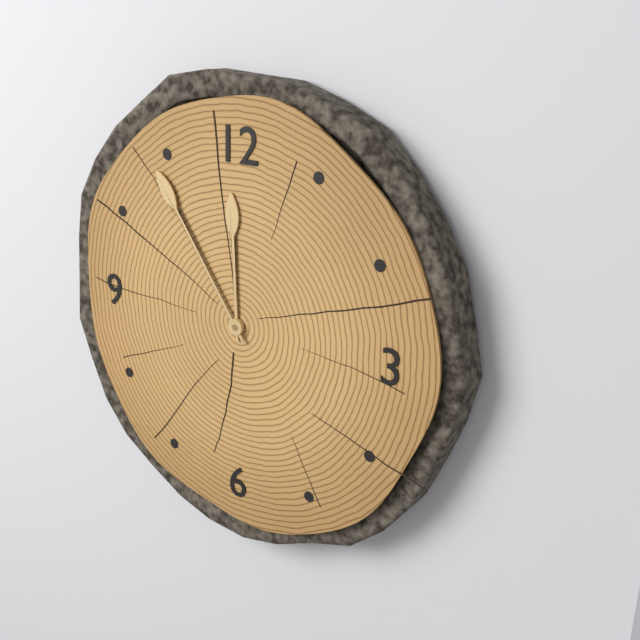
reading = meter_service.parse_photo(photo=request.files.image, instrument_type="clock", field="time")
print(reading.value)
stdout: 11:54
